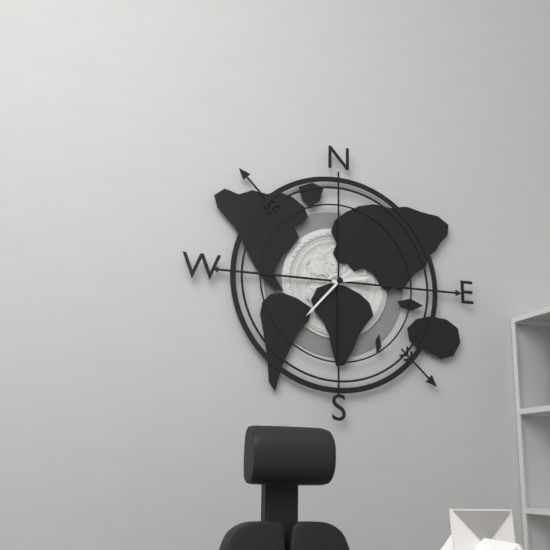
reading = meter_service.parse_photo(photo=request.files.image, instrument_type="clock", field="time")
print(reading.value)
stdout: 2:37
